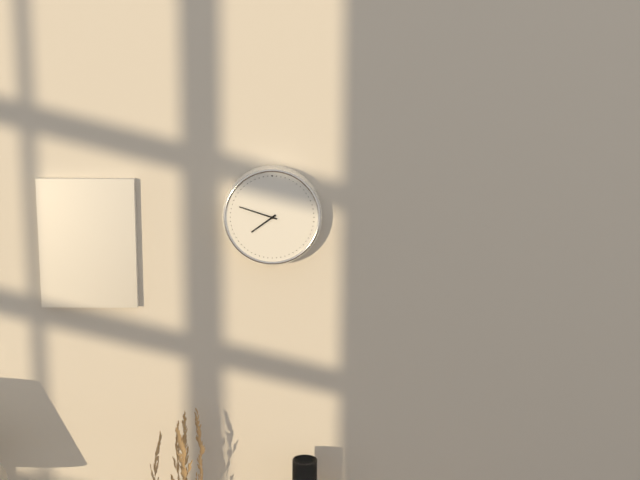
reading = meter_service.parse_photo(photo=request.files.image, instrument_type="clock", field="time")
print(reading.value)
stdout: 7:48
